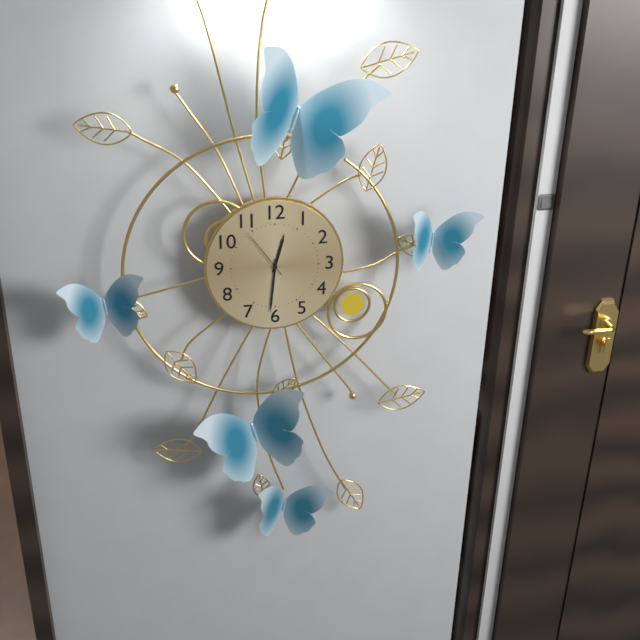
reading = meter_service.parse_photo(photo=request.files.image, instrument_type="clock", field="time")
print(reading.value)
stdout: 12:31:54
